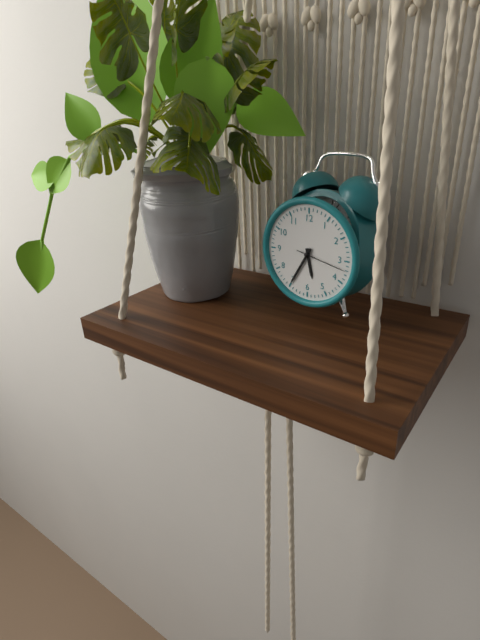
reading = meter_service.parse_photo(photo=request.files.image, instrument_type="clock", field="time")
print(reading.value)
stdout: 5:35:17
